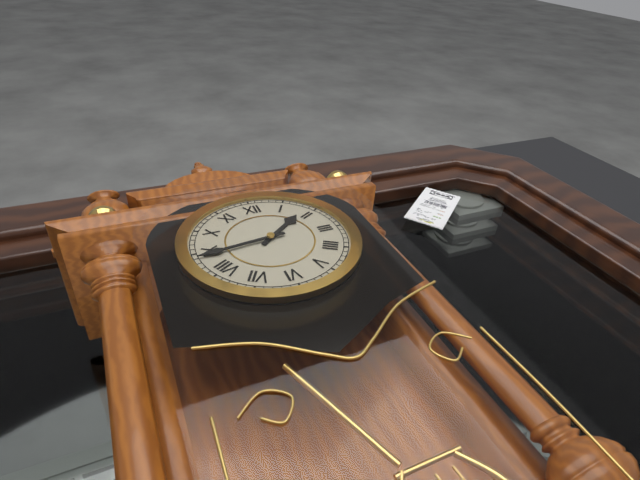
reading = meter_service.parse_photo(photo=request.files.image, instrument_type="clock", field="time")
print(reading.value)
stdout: 1:44
